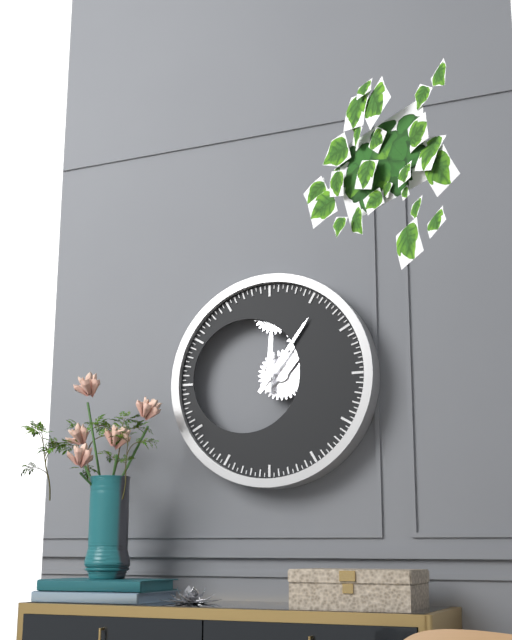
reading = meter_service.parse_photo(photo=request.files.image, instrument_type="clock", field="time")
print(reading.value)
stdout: 12:06
